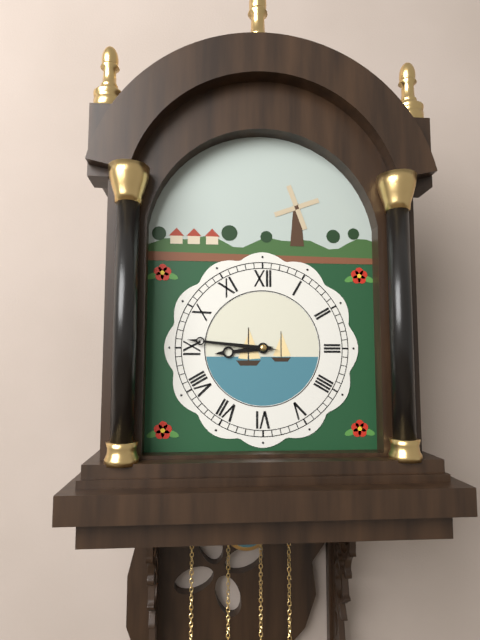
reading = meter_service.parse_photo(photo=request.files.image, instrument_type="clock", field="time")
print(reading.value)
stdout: 8:46
